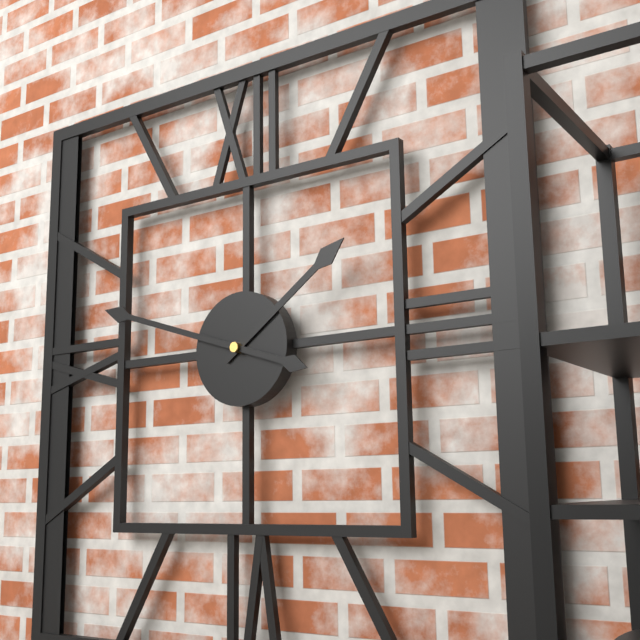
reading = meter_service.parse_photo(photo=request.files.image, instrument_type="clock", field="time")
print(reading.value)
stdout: 1:48
